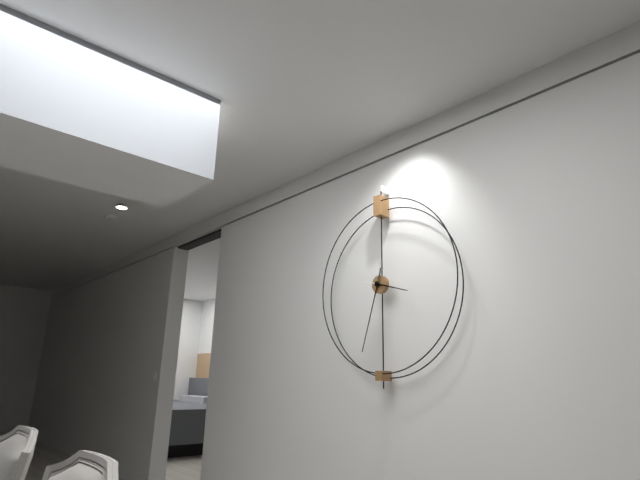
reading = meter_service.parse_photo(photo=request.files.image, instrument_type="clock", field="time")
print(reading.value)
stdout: 3:33
